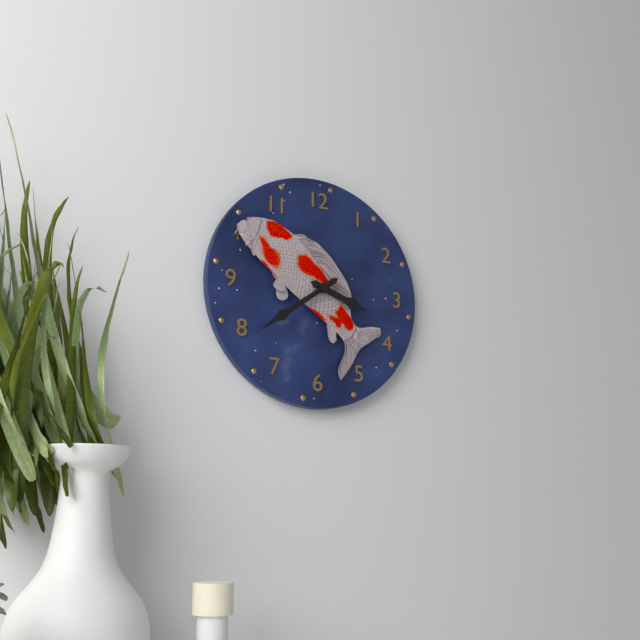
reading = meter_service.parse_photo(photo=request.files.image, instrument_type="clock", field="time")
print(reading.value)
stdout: 3:39
